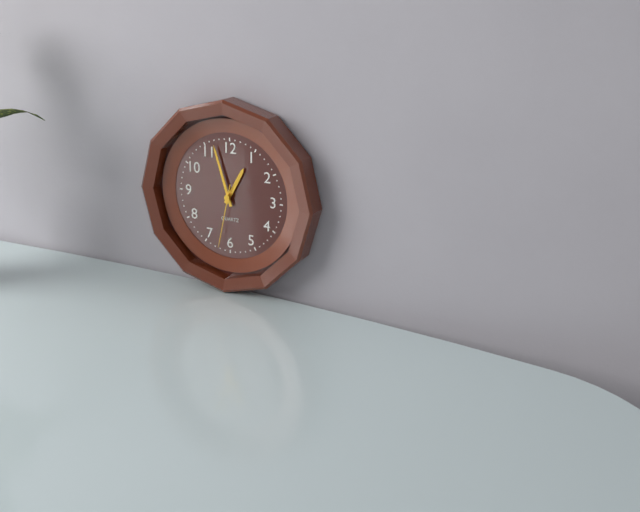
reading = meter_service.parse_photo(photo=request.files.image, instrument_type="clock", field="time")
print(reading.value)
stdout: 12:57:32
